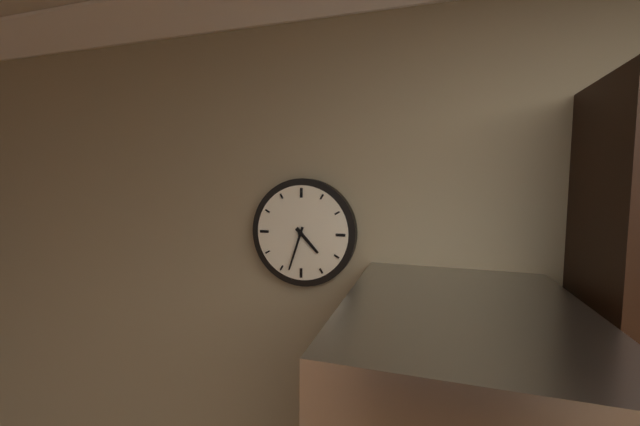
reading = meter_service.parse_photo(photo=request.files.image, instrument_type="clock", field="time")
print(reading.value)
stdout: 4:33
